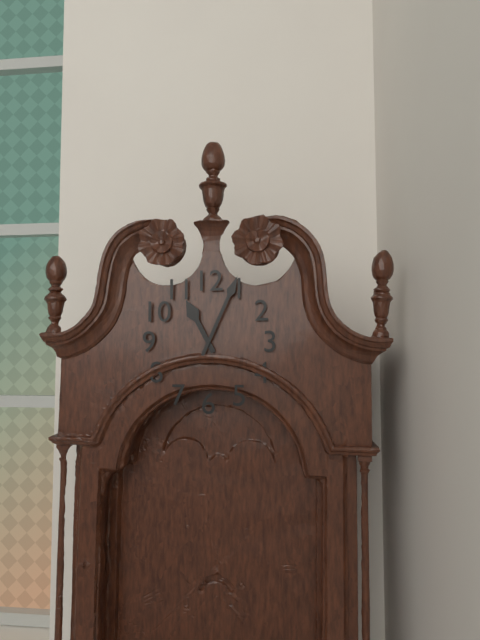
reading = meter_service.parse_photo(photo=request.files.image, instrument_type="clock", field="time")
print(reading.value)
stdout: 11:04
